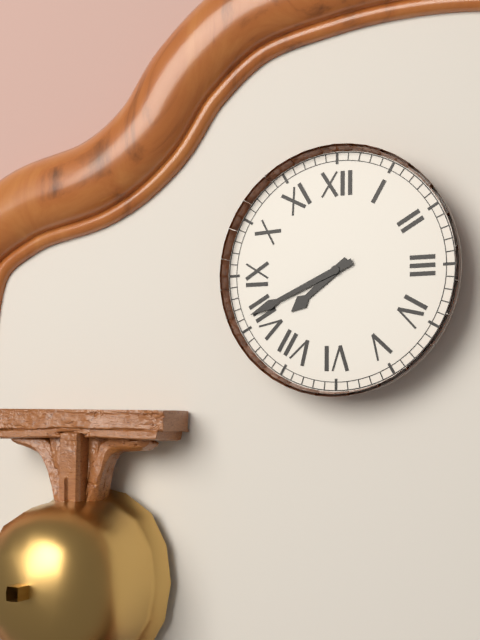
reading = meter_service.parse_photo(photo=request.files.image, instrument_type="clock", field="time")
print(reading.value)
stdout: 7:41
